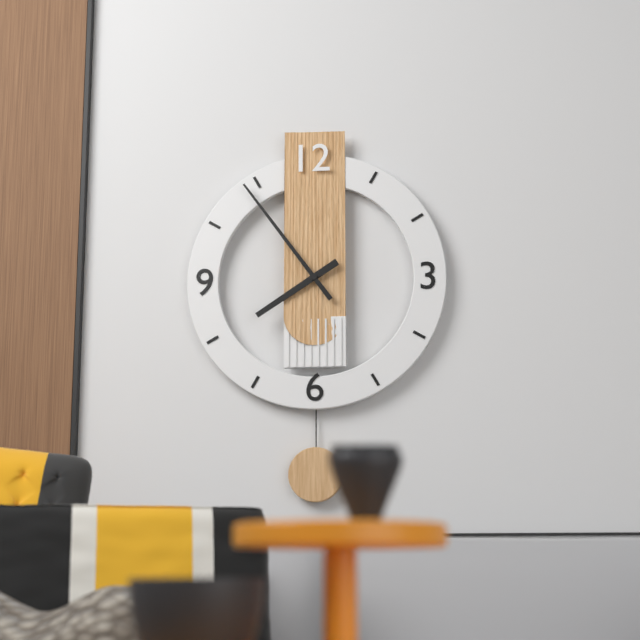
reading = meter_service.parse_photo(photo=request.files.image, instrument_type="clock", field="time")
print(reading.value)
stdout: 7:54
